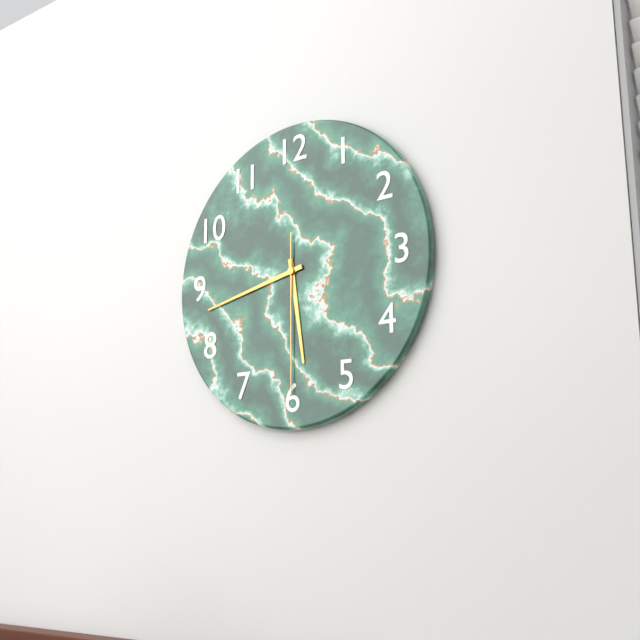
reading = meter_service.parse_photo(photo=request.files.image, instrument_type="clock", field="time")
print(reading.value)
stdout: 5:43:30
